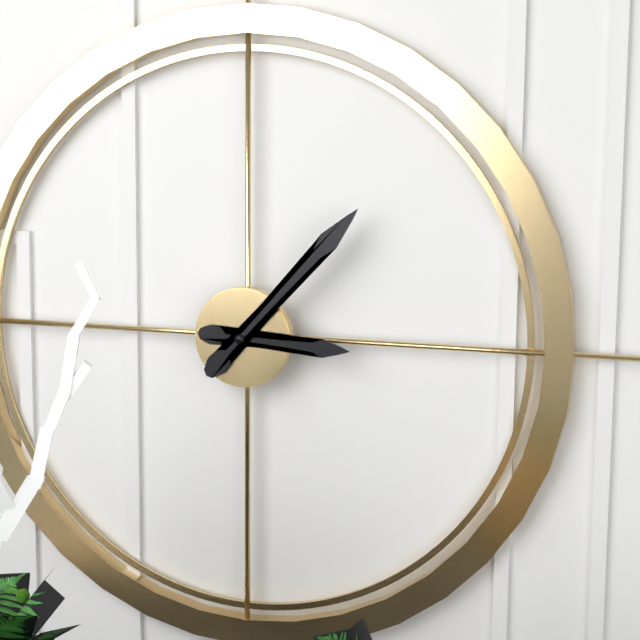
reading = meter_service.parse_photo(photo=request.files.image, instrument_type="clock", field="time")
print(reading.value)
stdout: 3:07
